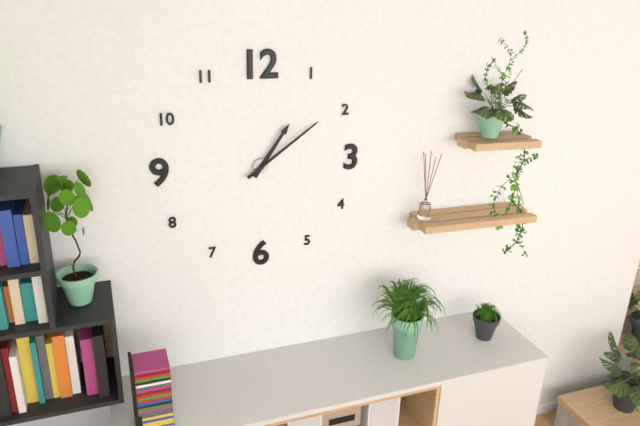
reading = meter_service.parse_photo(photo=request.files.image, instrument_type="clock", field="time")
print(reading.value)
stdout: 1:09
